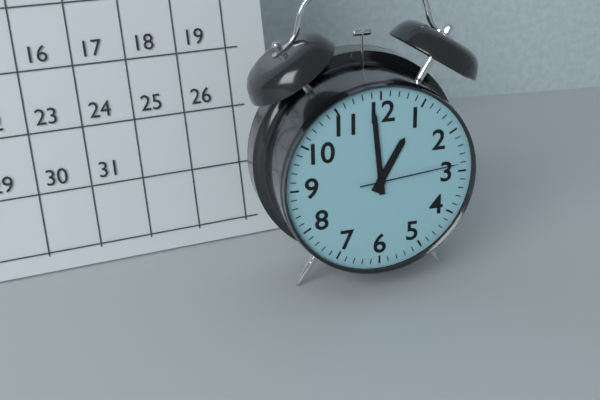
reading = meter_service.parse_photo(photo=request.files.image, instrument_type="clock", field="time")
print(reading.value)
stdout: 12:59:14
